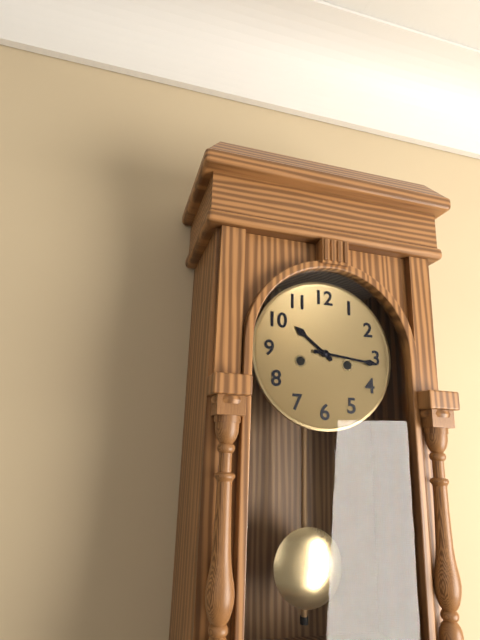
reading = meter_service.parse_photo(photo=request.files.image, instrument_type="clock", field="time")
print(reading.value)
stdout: 10:16
